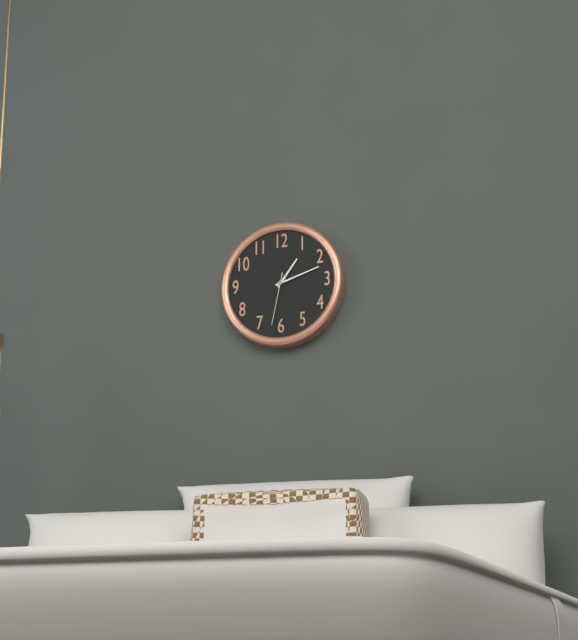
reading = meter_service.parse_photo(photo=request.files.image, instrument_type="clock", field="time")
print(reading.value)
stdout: 1:12:32
